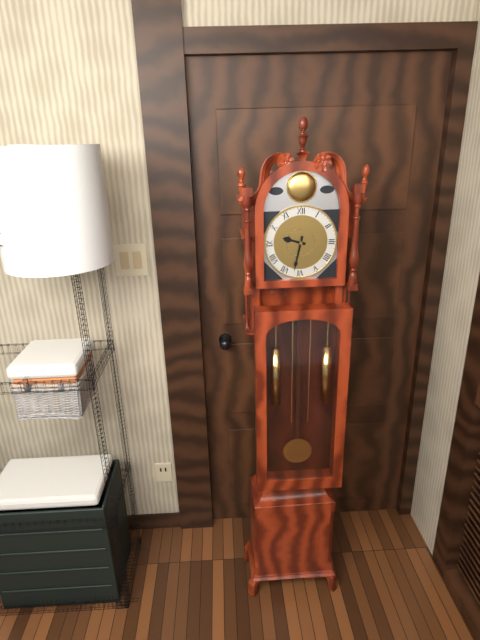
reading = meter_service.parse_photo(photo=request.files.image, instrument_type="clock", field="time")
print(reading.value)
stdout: 9:32
